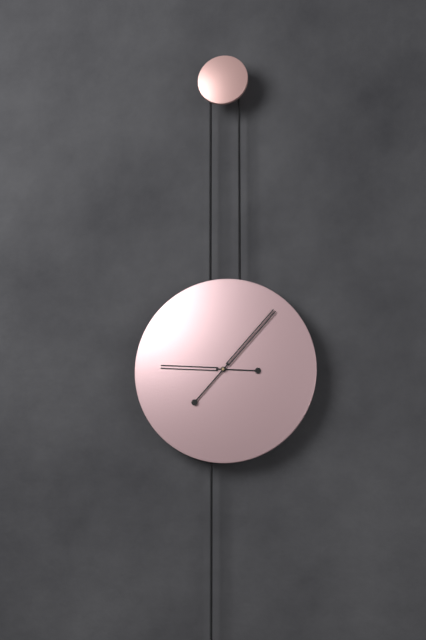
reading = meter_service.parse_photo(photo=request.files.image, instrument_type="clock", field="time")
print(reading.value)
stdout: 9:07
